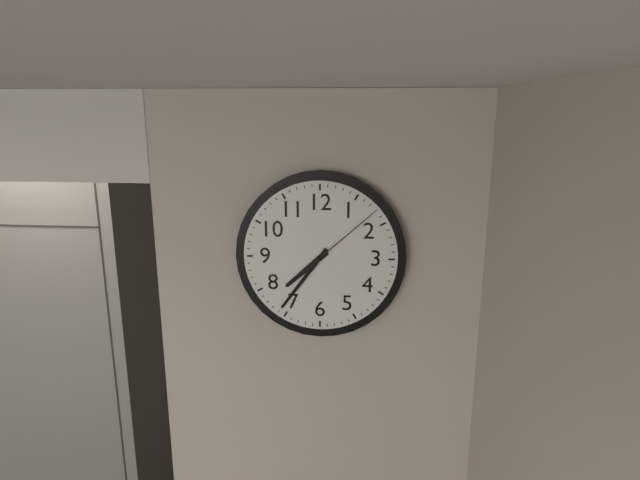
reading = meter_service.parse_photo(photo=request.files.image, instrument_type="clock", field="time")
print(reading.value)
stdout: 7:36:08
